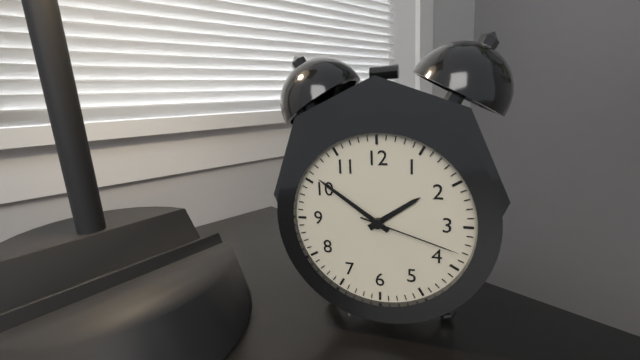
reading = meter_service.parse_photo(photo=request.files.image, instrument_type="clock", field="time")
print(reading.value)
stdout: 1:51:18
